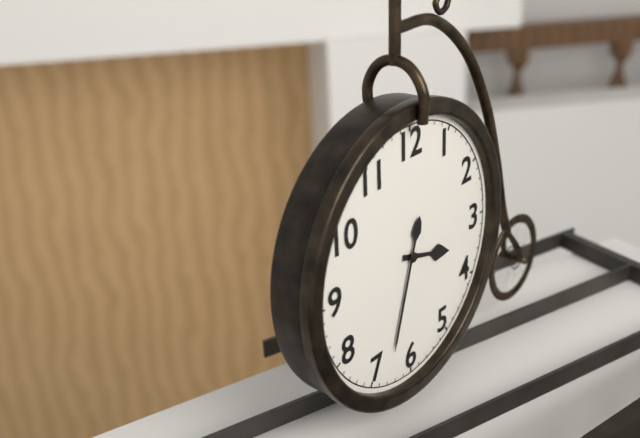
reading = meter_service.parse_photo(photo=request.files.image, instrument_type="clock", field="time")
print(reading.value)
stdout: 3:33
